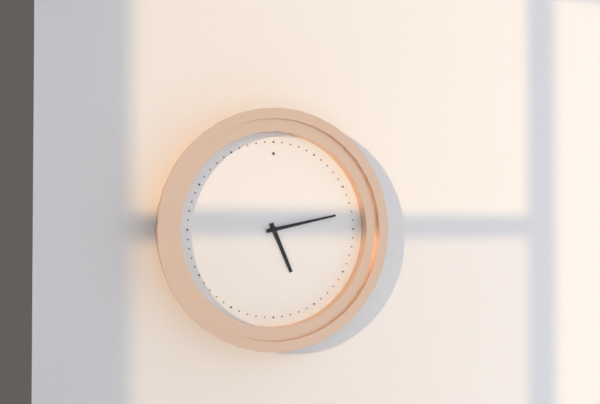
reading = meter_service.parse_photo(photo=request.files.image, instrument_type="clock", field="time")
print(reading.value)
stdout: 5:13
